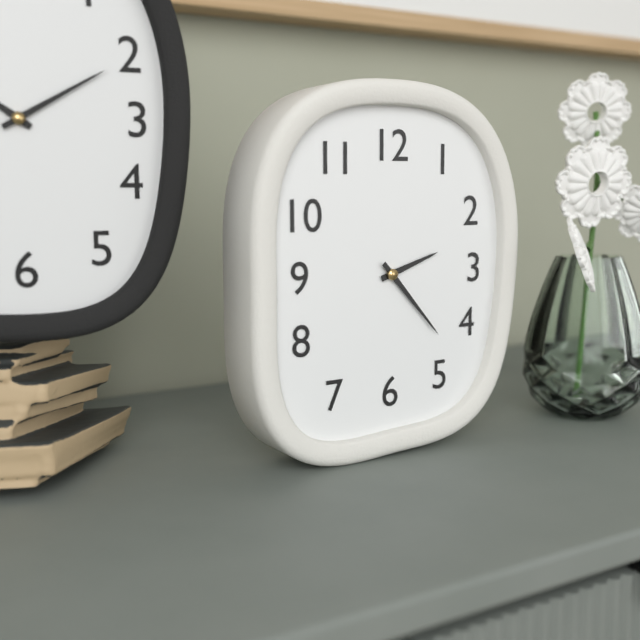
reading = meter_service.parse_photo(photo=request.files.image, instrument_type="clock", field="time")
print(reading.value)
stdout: 2:23
